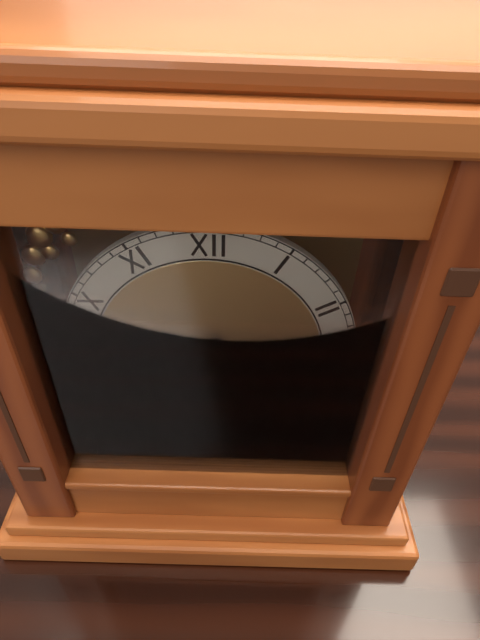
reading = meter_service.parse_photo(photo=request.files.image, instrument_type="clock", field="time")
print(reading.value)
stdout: 9:33
